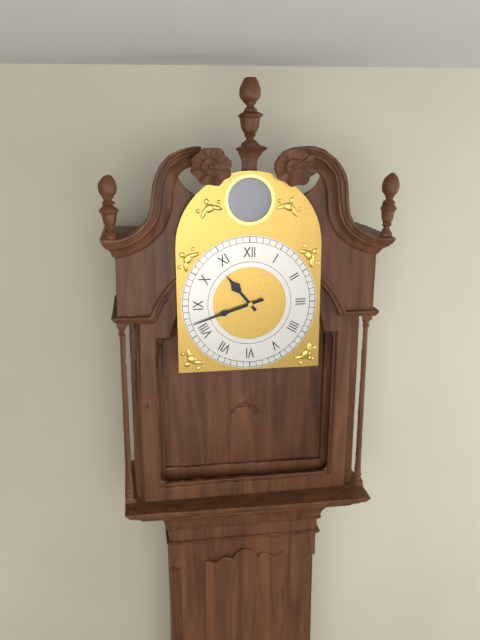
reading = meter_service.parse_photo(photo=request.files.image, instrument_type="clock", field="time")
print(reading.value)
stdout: 10:42
